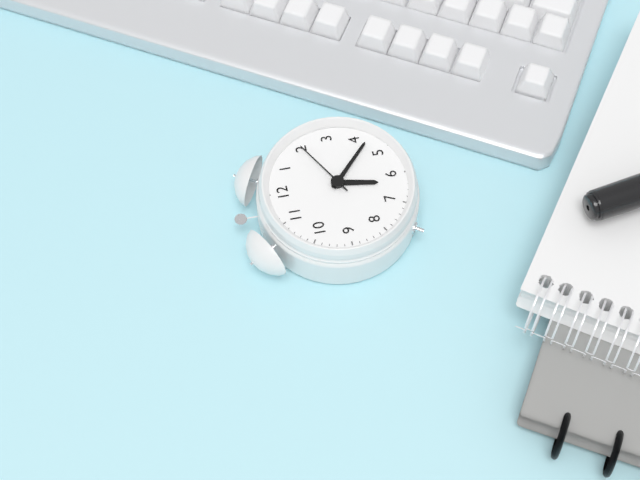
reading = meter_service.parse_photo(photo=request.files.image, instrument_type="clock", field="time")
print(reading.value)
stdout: 6:22:10
